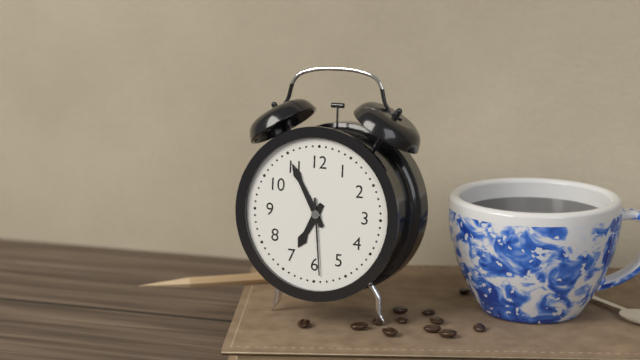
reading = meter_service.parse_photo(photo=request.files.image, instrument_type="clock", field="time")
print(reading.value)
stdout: 6:55:29
